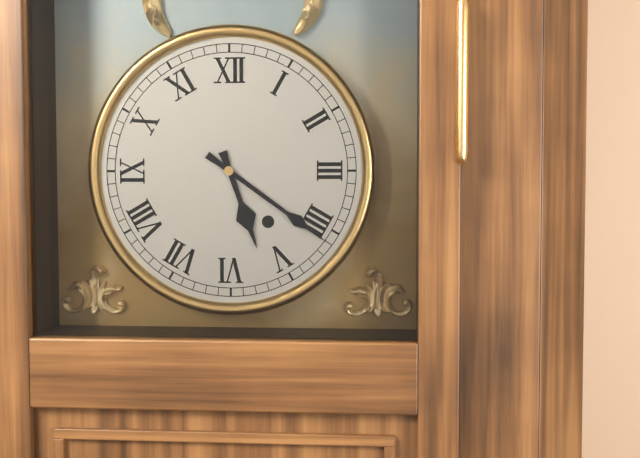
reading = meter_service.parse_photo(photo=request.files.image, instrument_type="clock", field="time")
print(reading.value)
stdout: 5:21
